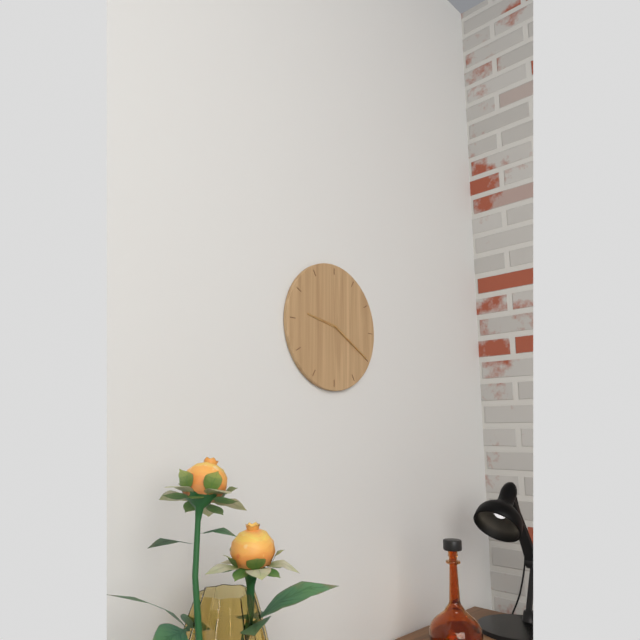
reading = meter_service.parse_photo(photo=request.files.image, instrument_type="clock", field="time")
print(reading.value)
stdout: 9:20
